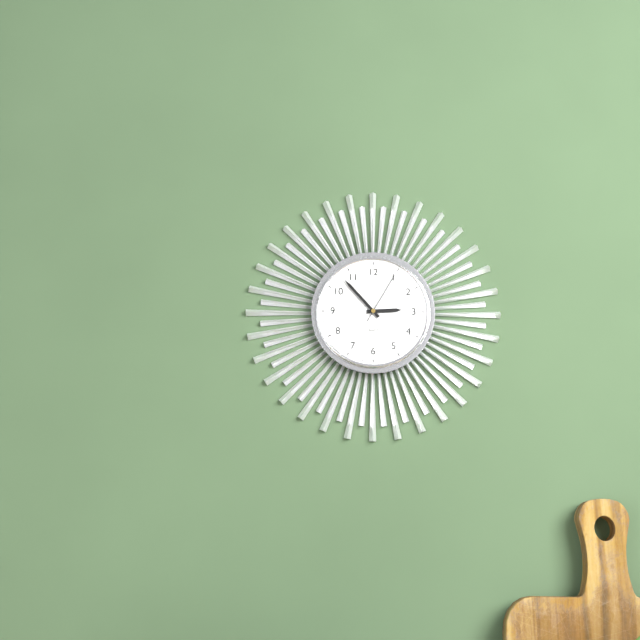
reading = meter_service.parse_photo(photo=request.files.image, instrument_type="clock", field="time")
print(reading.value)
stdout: 2:53:05
